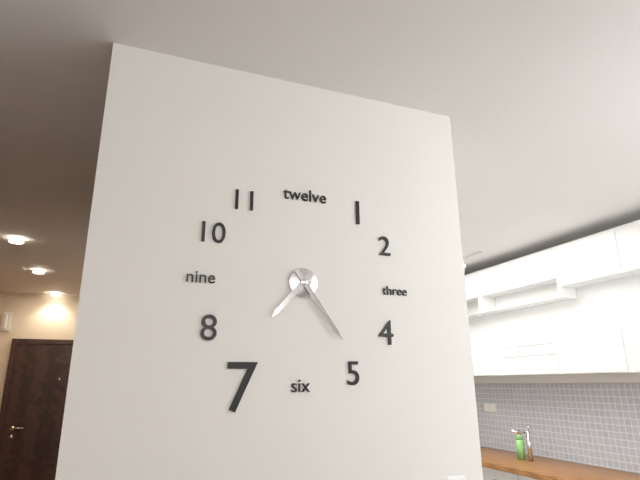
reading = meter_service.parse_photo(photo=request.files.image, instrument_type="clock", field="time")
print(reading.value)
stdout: 7:24
